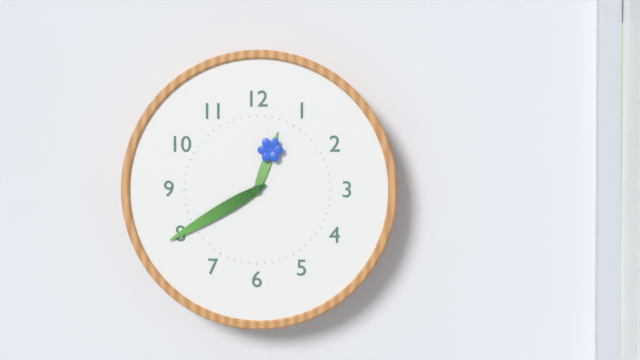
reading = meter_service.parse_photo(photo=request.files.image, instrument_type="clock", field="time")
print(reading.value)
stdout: 12:40
